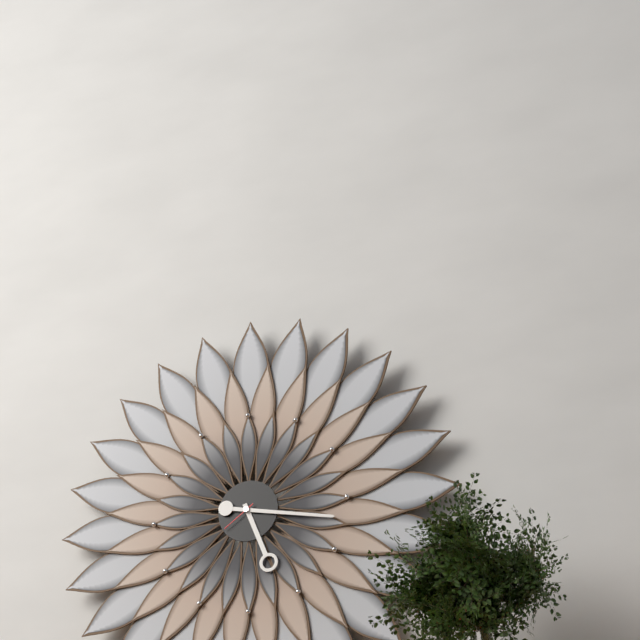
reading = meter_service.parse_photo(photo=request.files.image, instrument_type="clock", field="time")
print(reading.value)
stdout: 5:17
